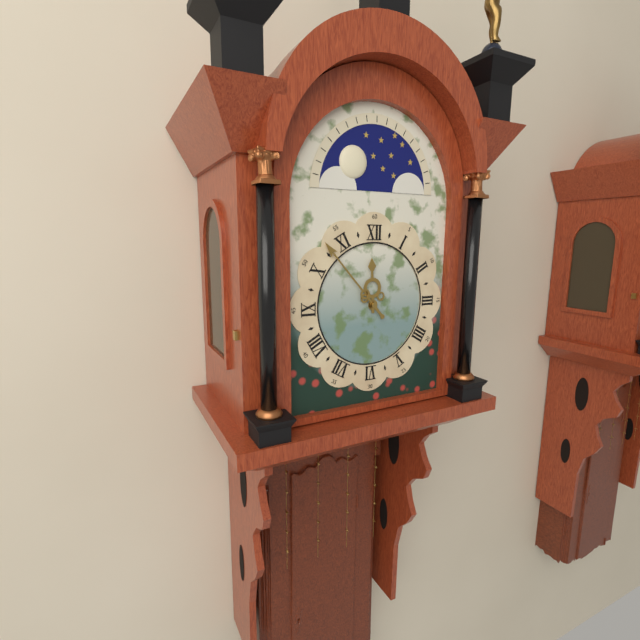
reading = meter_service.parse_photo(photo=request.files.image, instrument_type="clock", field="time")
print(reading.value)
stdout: 11:53
